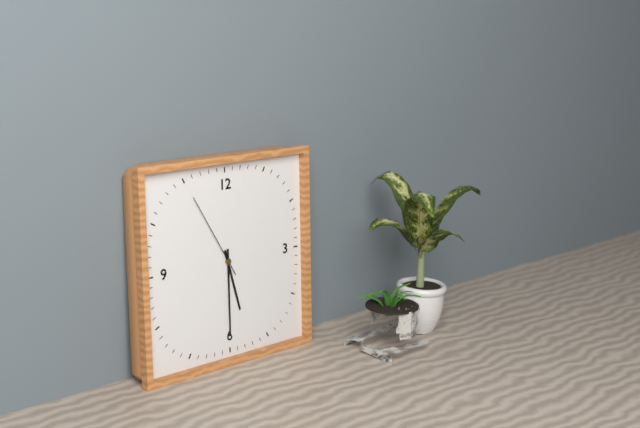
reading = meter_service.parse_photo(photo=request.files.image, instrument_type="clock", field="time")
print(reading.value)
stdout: 5:30:55
